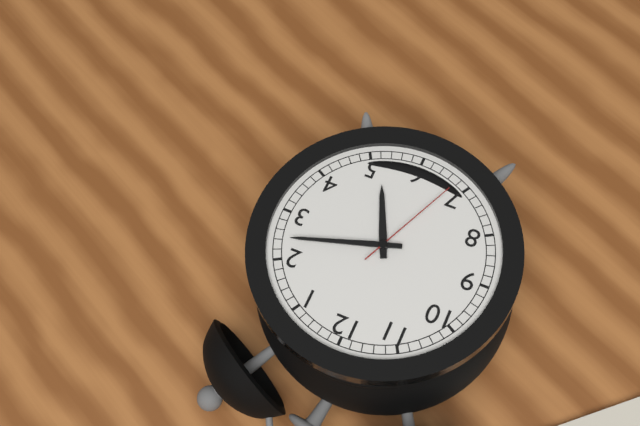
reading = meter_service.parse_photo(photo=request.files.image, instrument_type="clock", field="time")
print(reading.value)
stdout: 5:12:34
